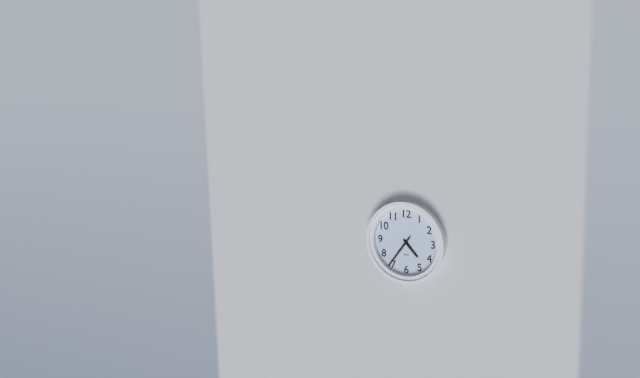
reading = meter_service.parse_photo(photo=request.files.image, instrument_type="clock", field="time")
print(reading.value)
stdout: 4:36
